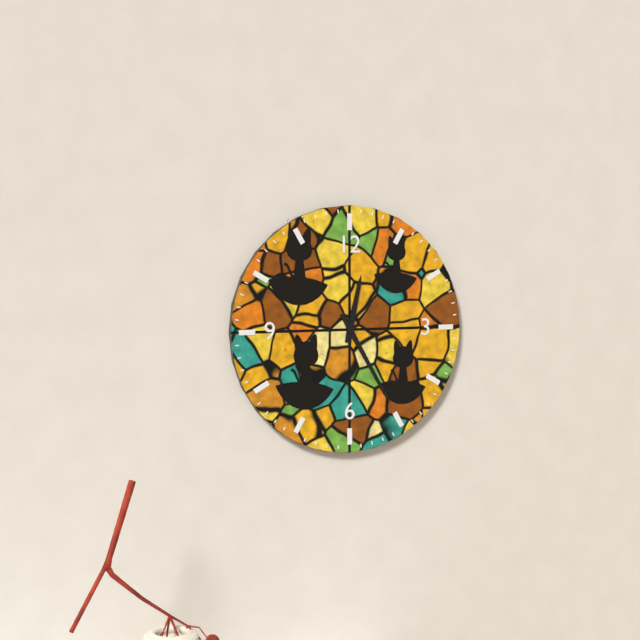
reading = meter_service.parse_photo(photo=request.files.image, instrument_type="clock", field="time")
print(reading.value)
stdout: 12:25
